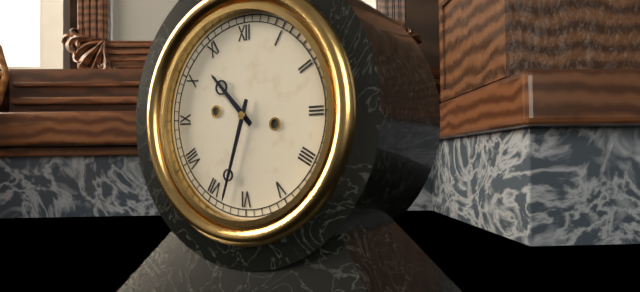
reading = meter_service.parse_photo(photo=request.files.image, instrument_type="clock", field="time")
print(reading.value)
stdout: 10:33
